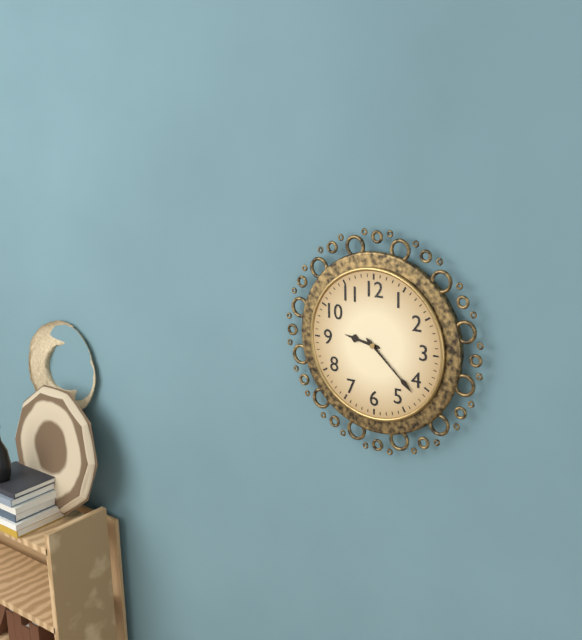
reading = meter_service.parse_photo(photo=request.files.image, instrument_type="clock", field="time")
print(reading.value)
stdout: 9:22
